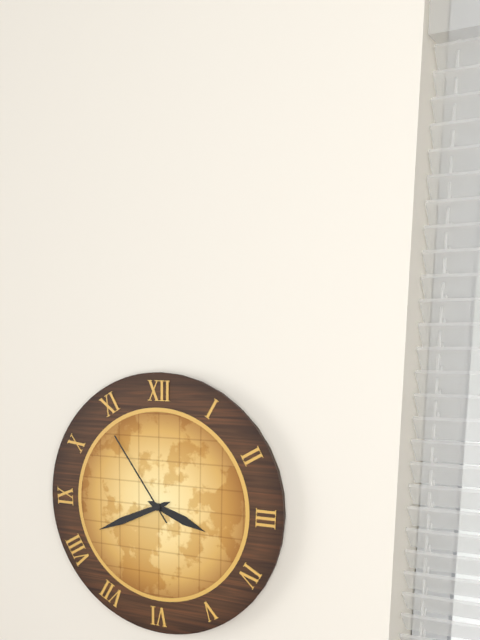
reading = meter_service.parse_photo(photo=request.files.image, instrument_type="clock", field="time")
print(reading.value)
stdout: 3:41:54
